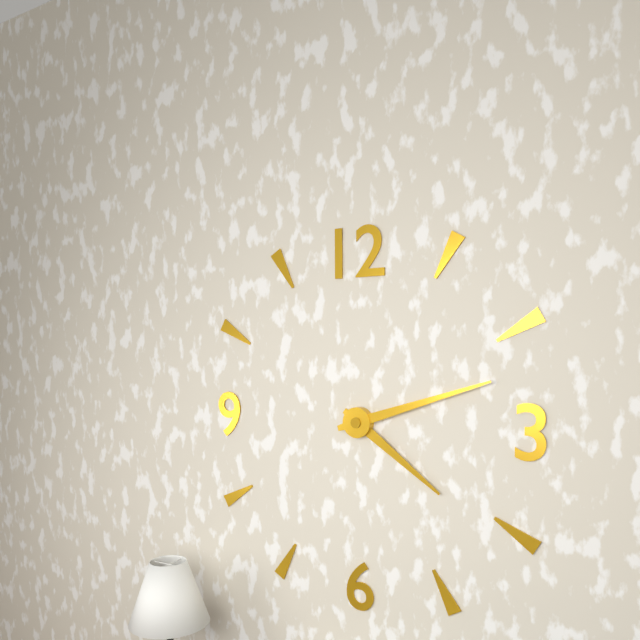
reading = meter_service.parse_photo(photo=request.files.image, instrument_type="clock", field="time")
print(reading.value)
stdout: 4:12
